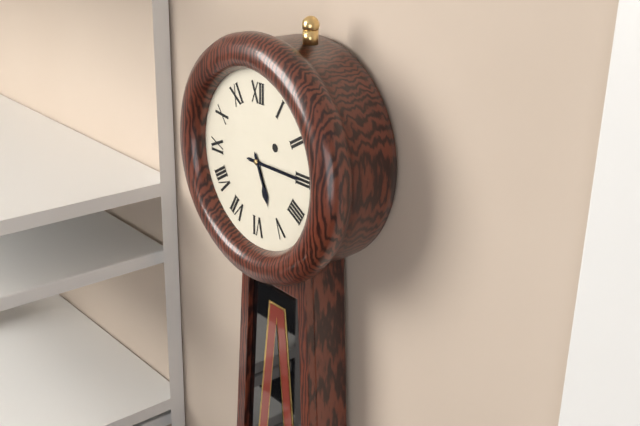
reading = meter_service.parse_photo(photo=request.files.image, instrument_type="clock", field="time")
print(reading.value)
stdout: 5:15
